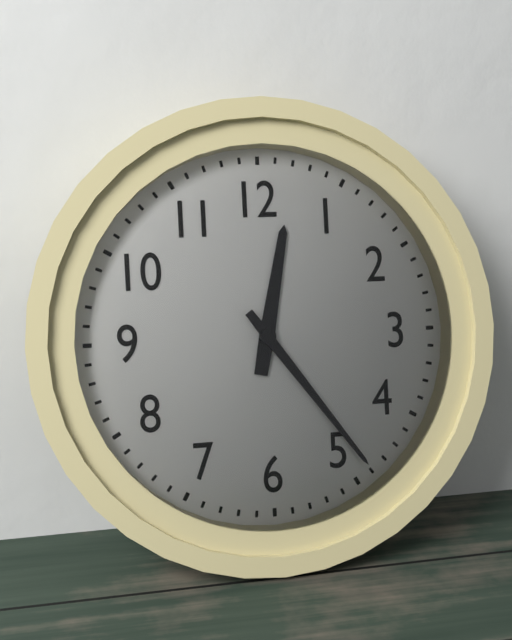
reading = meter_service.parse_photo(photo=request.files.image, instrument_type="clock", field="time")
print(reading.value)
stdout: 12:24
